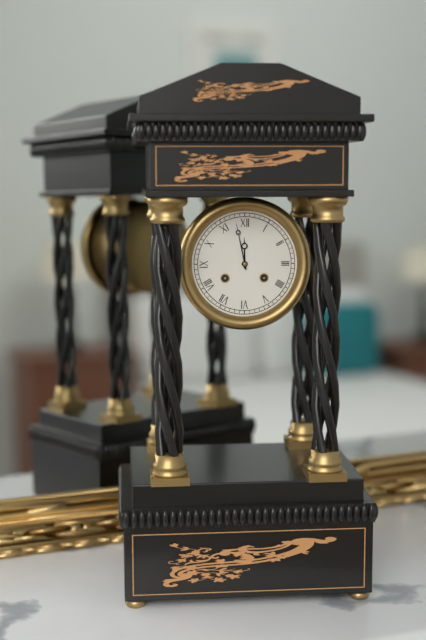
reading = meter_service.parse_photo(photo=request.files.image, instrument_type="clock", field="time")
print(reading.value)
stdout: 11:58
